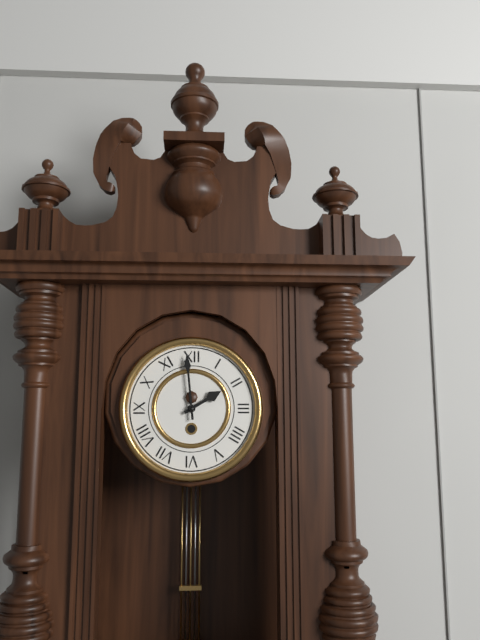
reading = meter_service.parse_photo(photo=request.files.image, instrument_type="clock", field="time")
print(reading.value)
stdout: 1:59
